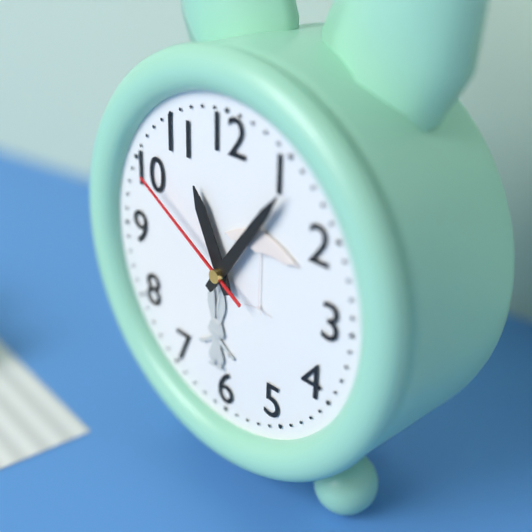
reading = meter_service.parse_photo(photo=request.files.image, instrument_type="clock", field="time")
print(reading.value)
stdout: 11:06:50
